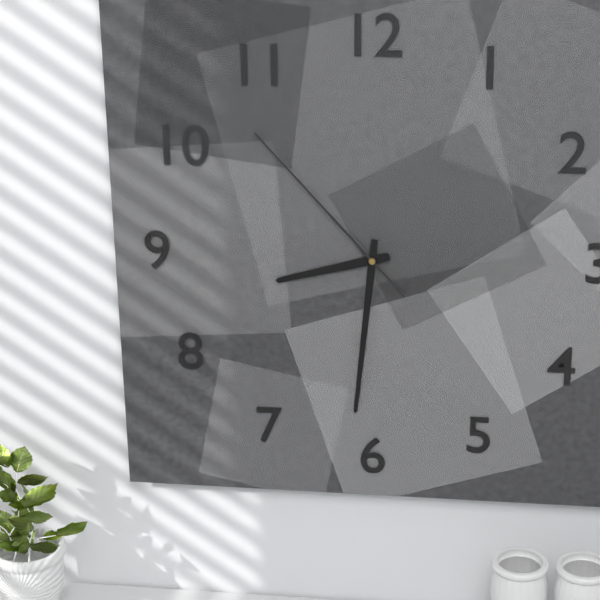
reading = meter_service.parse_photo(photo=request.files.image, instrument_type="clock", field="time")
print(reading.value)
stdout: 8:31:53
